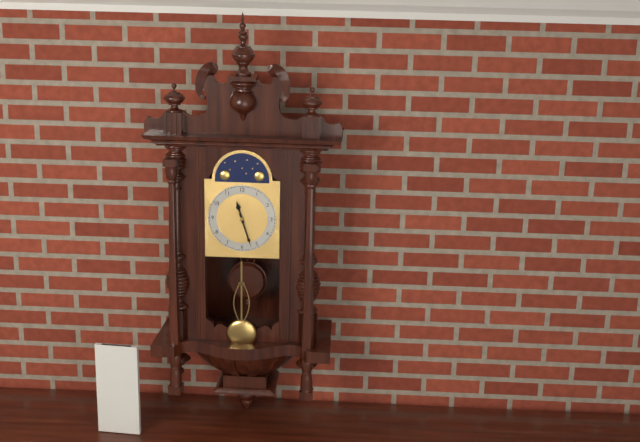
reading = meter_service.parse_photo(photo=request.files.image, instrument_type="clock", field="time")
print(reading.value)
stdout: 11:27
